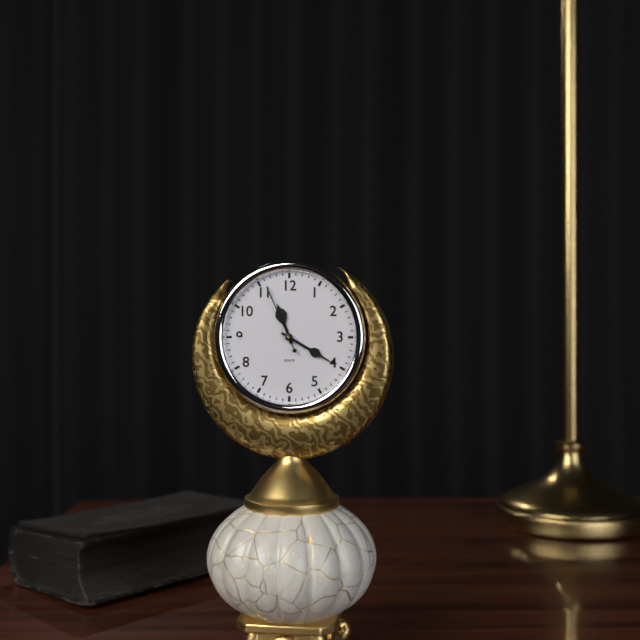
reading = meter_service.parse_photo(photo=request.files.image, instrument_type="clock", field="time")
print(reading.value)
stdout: 11:20:56
